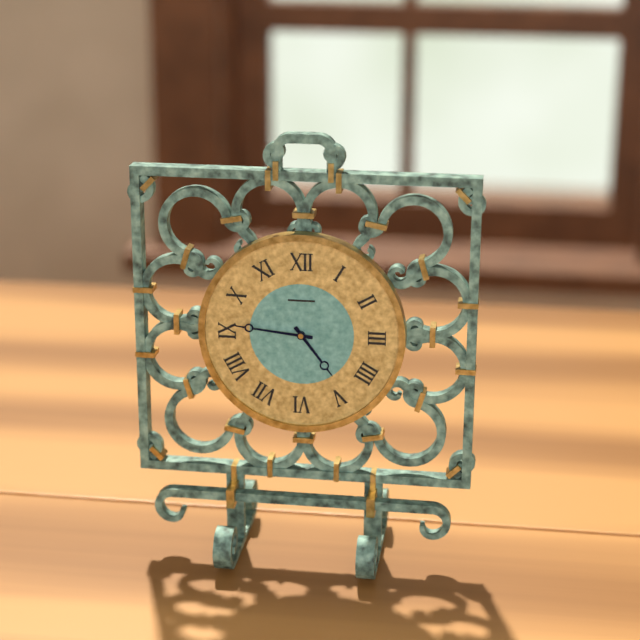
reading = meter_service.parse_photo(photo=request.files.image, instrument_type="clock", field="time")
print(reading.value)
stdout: 4:46
